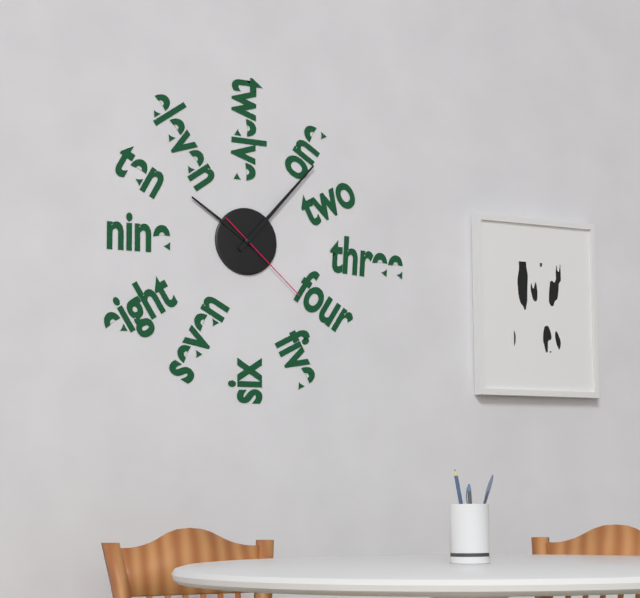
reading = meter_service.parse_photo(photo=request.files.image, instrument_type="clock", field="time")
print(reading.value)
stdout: 10:07:22
